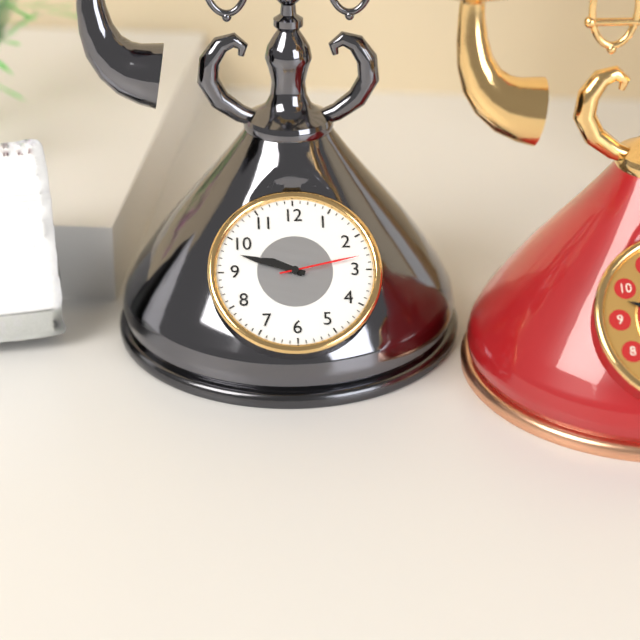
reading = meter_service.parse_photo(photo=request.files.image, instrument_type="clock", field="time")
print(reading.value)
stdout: 9:48:13
